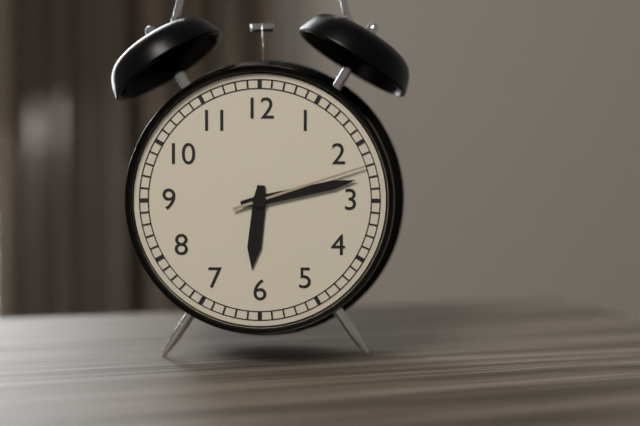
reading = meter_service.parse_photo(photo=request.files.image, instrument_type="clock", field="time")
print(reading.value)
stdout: 6:13:12
